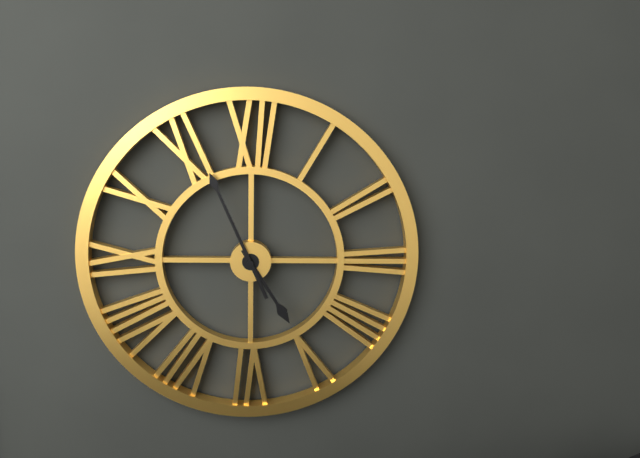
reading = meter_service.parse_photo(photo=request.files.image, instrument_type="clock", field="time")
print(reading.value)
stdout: 4:56
